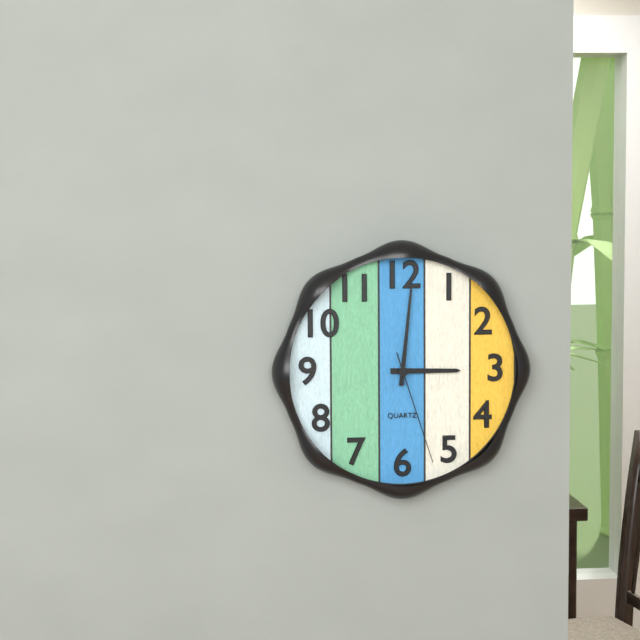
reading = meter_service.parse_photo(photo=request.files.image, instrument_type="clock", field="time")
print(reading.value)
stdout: 3:01:27
